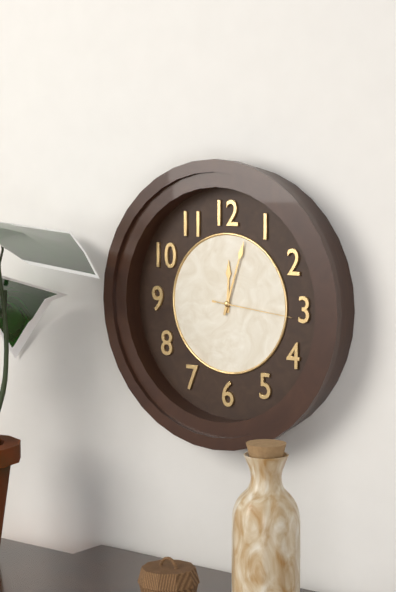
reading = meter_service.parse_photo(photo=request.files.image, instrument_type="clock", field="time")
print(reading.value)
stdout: 12:03:16
